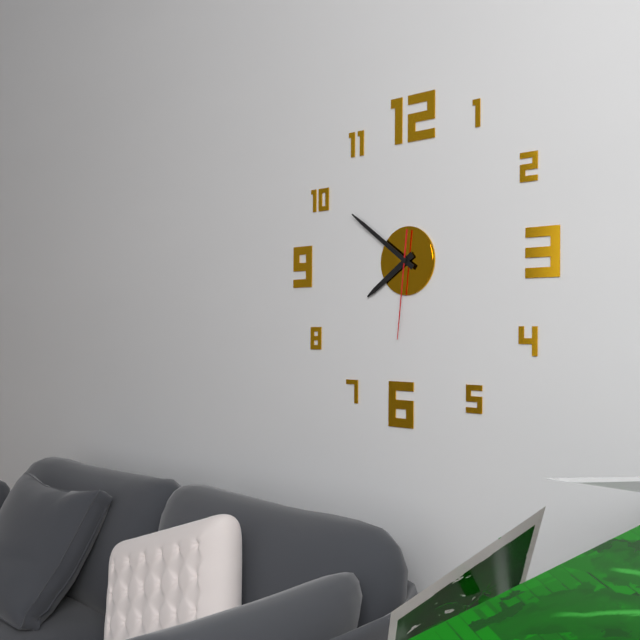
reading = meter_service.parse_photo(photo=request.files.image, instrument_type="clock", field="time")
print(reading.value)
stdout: 7:51:31
